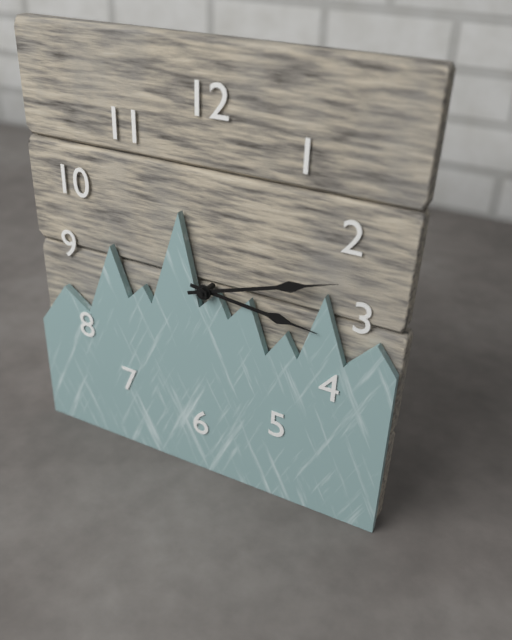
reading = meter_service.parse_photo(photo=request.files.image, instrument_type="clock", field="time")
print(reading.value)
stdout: 3:12
